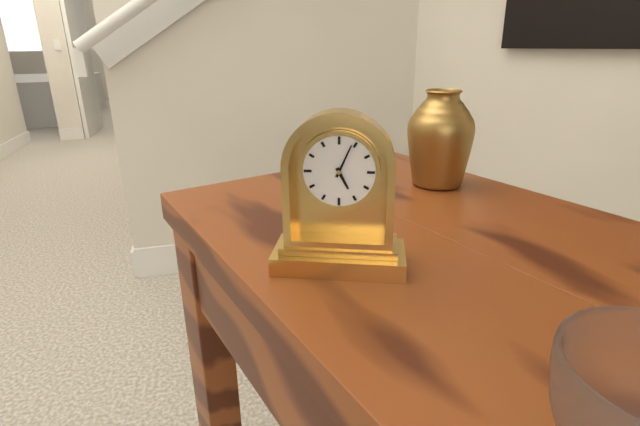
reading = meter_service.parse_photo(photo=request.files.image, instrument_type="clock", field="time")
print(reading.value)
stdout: 5:04
